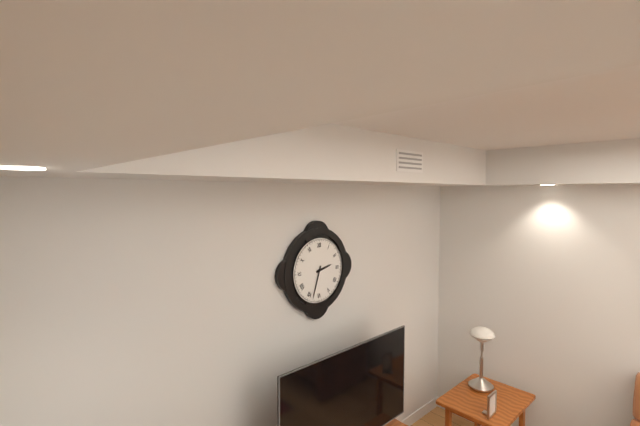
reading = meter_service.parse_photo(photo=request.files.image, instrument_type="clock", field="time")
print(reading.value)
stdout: 2:33
